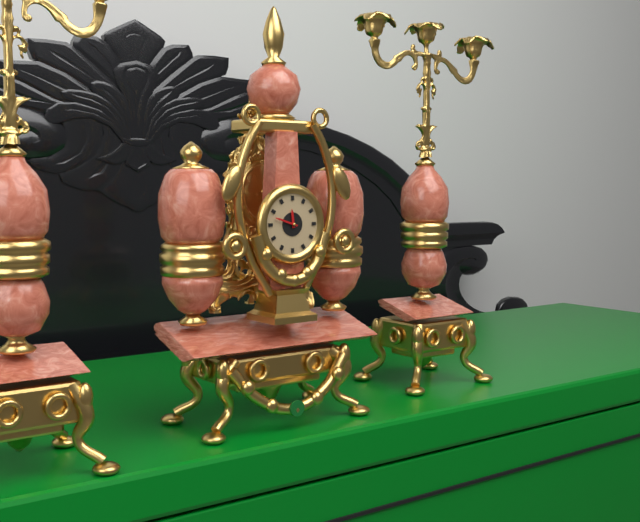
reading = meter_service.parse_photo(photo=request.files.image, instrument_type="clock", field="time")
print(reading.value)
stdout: 11:48
